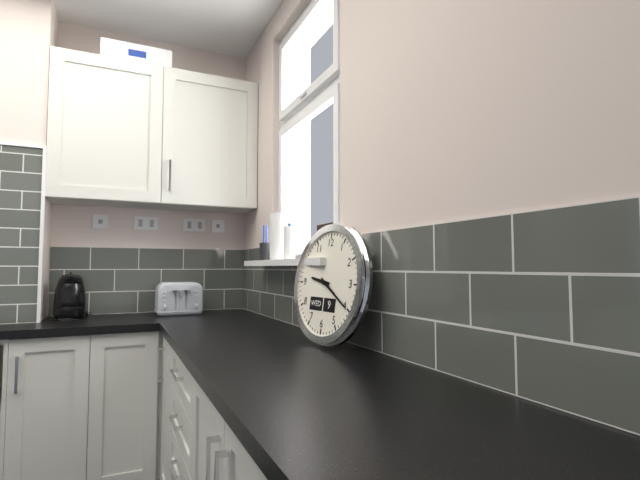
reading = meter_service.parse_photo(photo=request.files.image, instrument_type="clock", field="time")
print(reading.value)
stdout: 9:20
